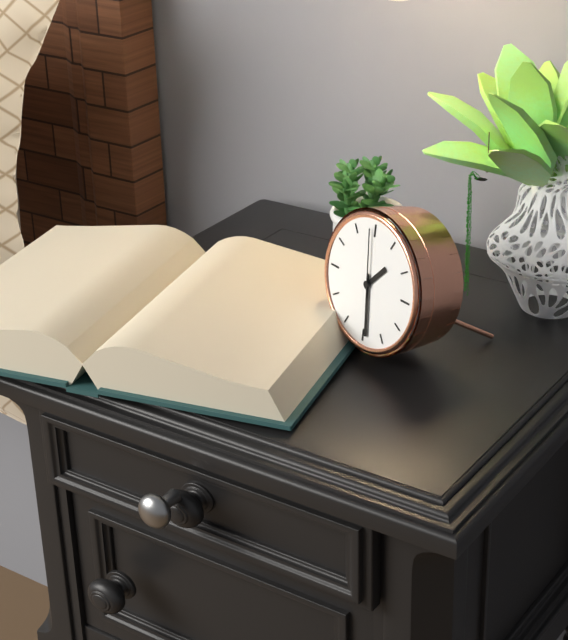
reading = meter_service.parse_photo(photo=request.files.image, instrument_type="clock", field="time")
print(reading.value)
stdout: 1:29:59
